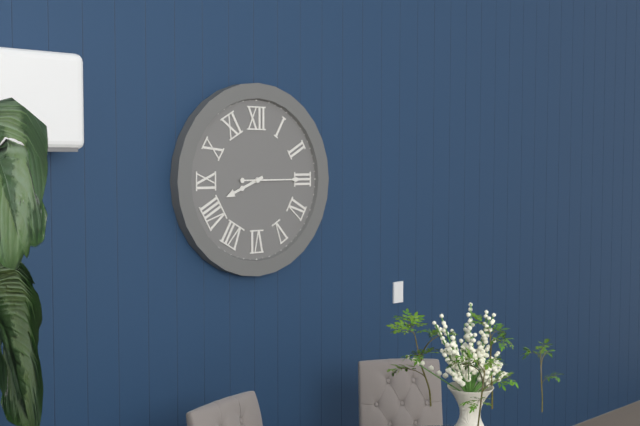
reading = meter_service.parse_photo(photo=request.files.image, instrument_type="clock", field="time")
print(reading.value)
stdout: 8:15
